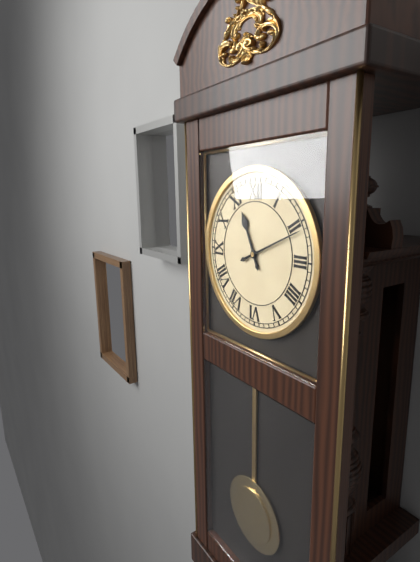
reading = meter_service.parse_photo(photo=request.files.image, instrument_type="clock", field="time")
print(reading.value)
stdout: 11:11
